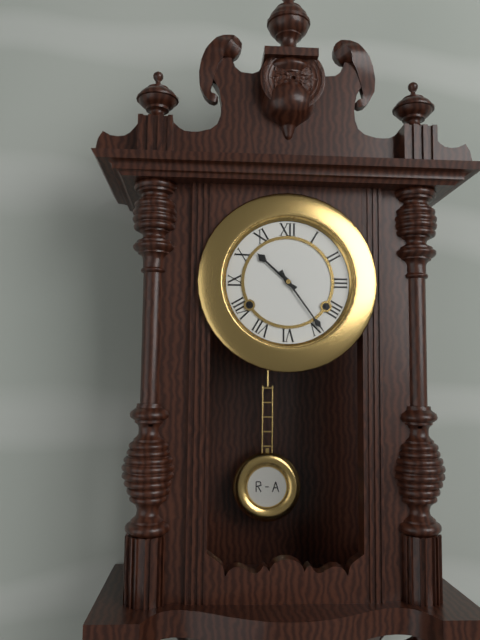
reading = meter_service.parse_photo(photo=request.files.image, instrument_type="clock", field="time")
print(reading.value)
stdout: 10:24
